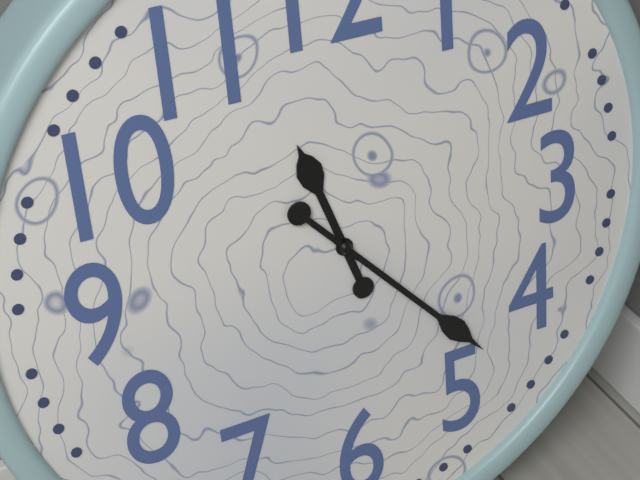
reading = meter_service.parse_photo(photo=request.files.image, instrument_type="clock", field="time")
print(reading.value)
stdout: 11:23
